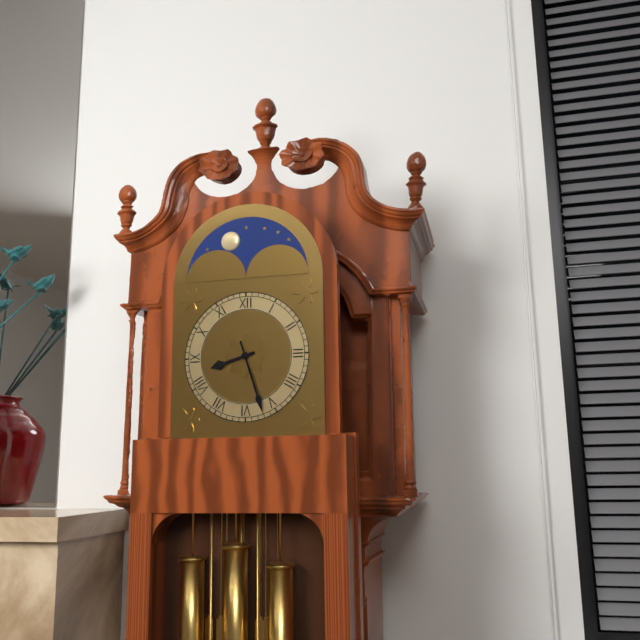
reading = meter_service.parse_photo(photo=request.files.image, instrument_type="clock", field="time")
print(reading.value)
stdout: 8:27
